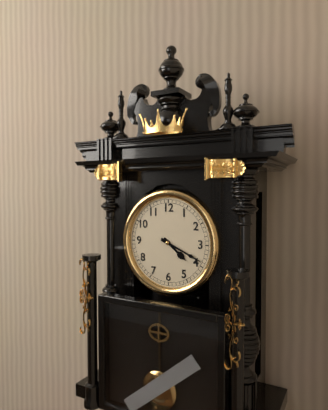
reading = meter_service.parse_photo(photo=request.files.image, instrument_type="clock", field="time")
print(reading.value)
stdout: 4:19
